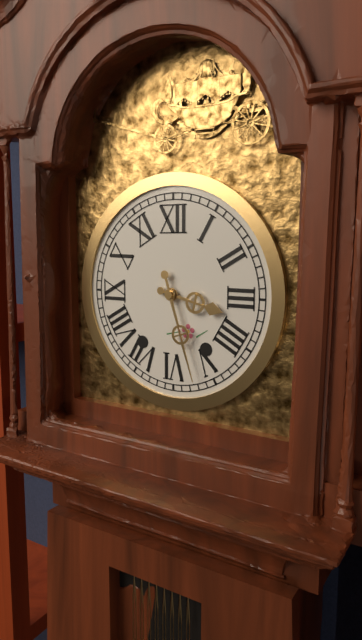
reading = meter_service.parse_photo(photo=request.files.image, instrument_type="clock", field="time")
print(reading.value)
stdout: 3:27
